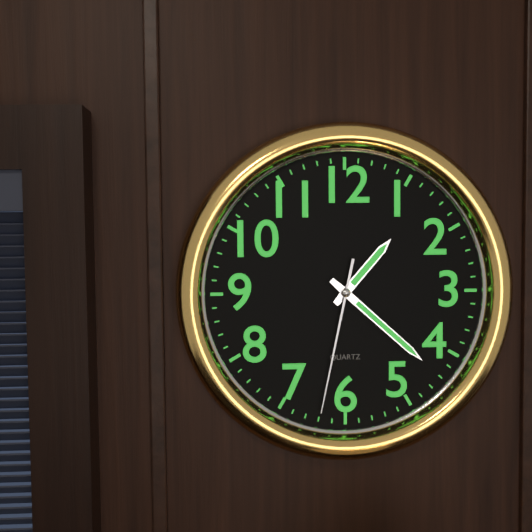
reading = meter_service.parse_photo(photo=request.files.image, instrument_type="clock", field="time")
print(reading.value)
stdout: 1:22:32
